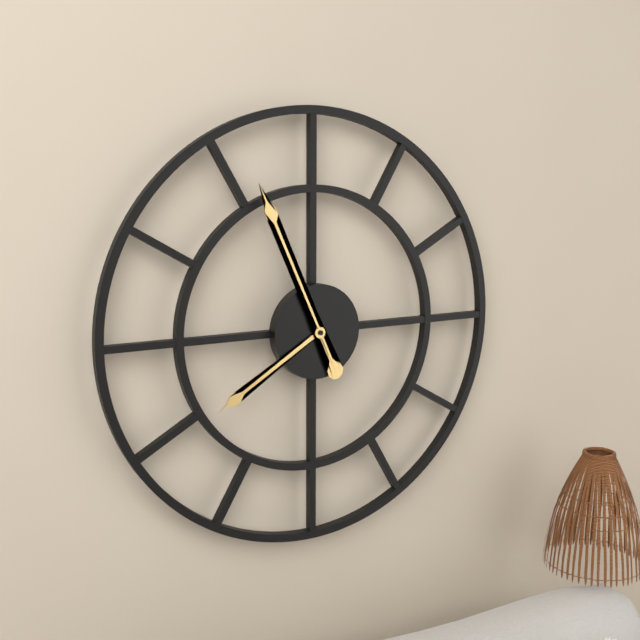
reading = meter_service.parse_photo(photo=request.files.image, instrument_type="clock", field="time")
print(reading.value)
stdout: 7:56
